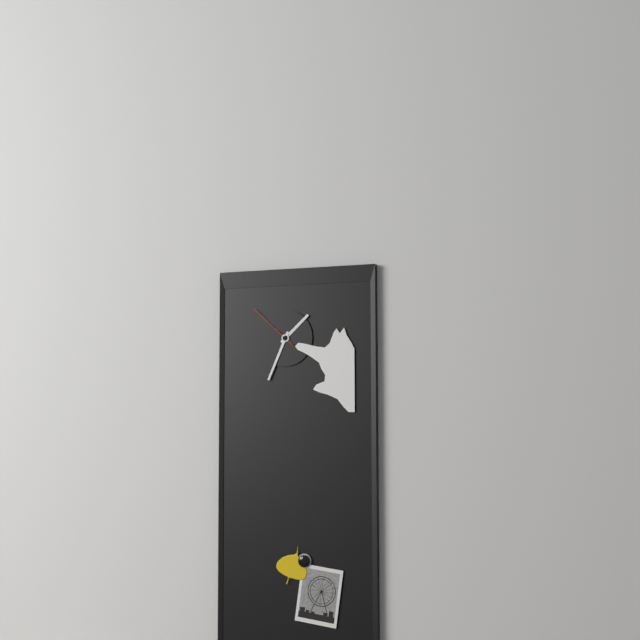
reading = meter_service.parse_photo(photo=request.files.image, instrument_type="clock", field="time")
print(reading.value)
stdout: 1:34:52
